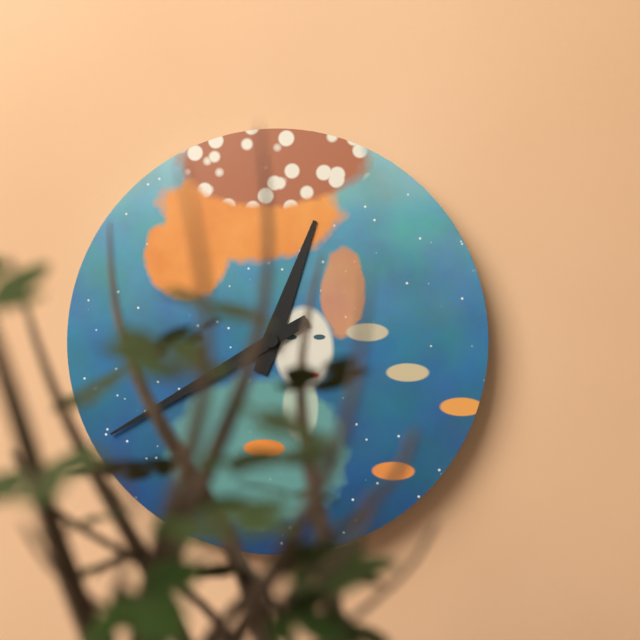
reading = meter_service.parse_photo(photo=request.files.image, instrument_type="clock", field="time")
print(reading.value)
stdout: 12:40
